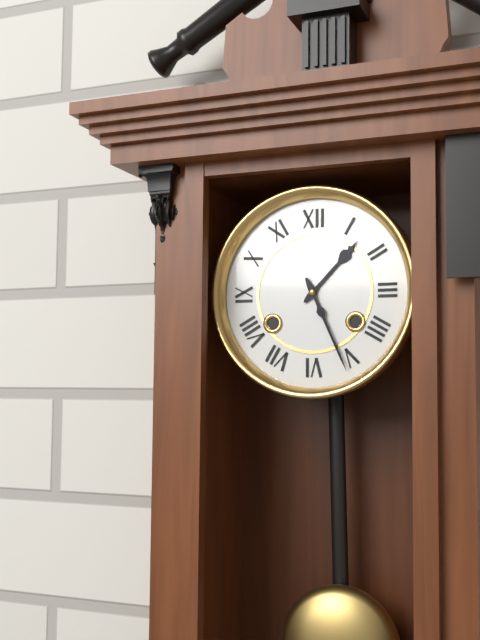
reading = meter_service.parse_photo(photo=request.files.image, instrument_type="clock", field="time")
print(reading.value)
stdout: 1:26
